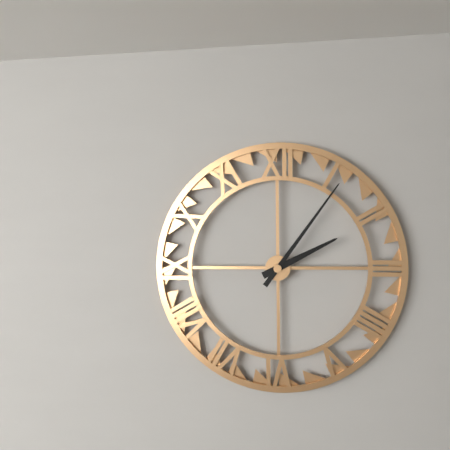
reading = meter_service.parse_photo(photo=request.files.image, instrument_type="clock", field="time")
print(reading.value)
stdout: 2:06
